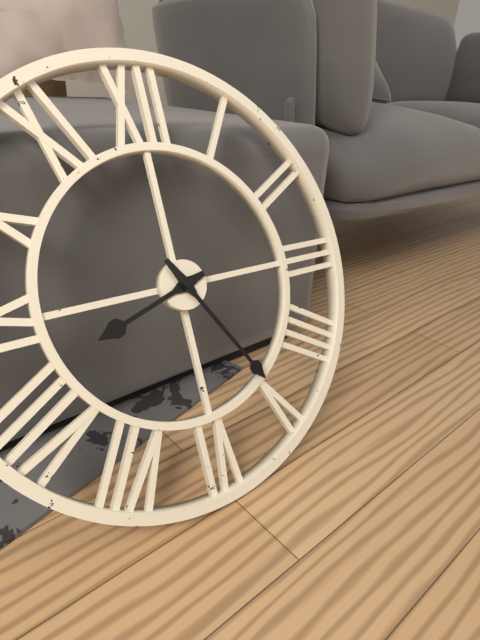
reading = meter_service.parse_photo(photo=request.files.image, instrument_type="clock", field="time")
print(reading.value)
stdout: 8:25
